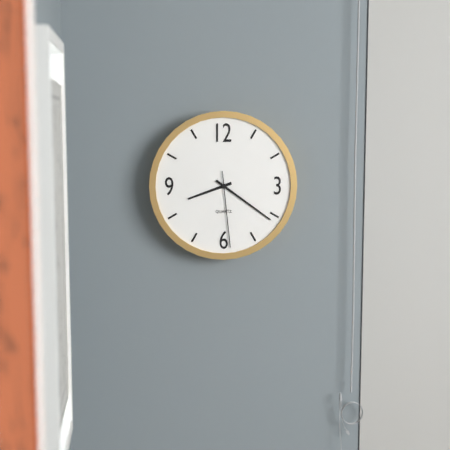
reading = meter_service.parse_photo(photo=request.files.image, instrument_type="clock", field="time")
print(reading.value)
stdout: 8:21:29
